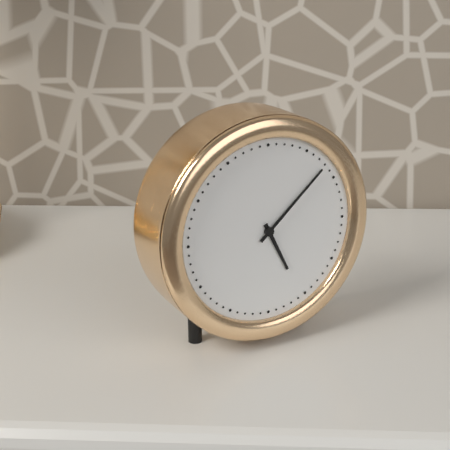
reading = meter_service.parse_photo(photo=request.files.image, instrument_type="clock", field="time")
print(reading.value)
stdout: 5:08
